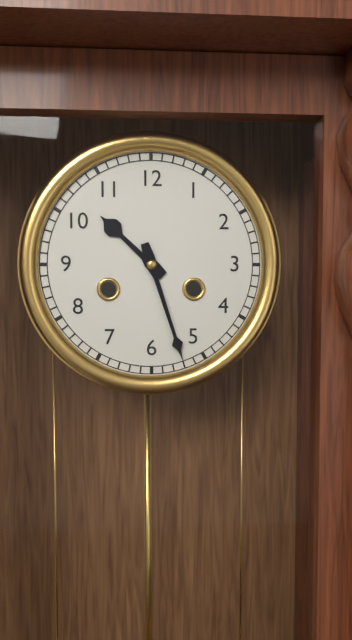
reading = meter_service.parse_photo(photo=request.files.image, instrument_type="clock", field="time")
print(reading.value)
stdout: 10:27
